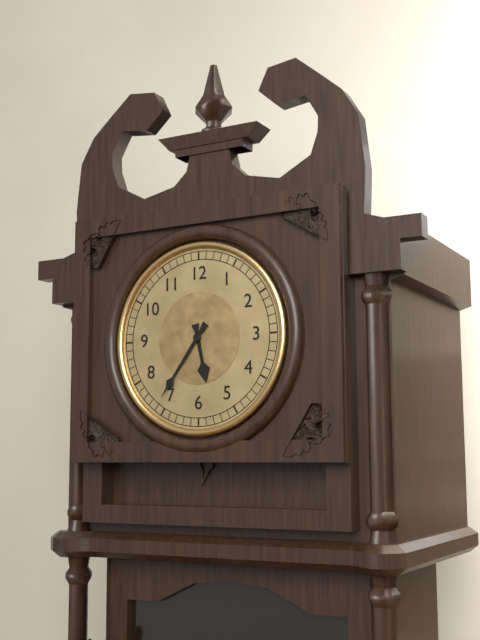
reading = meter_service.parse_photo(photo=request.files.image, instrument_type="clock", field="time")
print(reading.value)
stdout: 5:36
